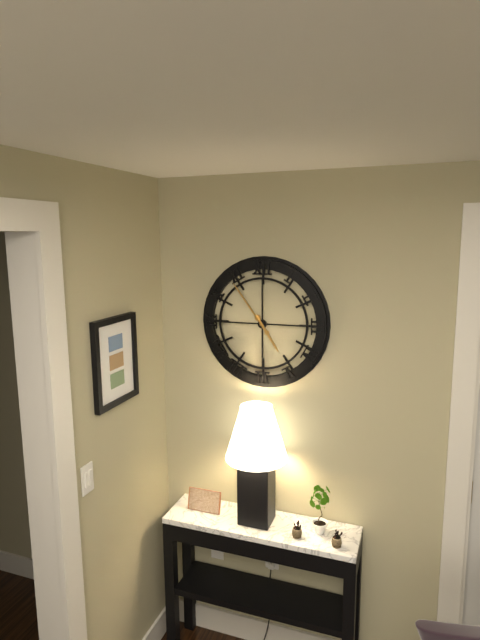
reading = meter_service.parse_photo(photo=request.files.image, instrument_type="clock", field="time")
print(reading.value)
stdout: 4:54
